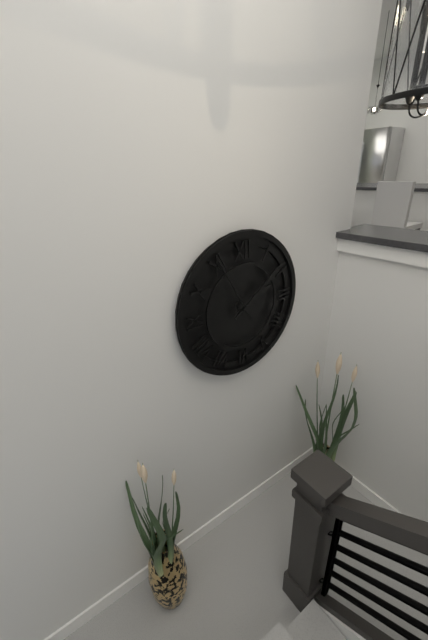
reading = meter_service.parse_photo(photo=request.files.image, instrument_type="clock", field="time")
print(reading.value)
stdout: 2:09:55
